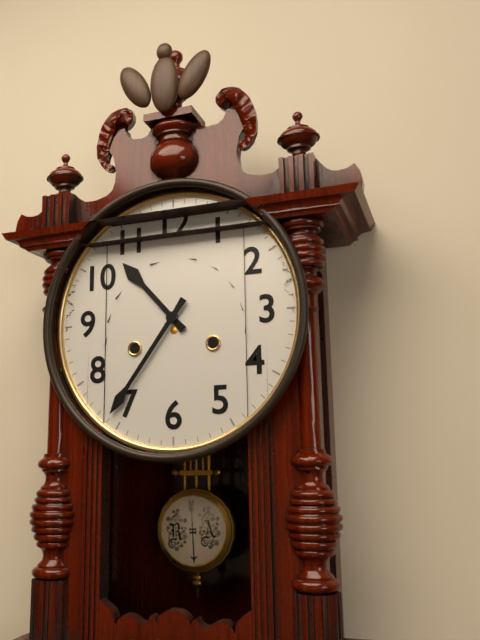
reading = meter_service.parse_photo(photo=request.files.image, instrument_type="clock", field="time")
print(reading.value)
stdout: 10:36
